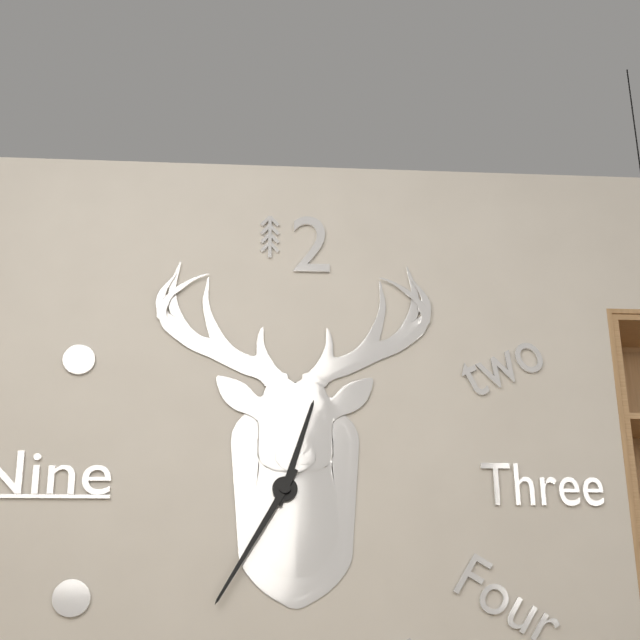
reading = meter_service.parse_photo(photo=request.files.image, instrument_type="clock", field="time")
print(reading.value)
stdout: 12:35
